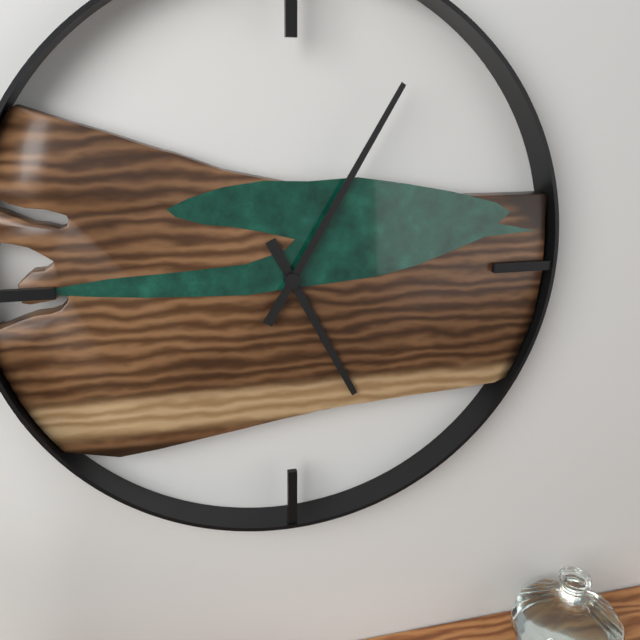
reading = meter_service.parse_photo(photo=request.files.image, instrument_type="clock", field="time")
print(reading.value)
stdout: 5:05
